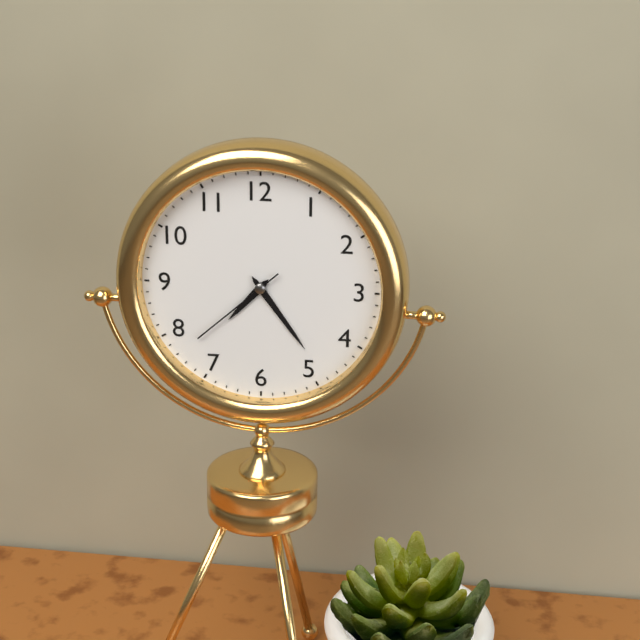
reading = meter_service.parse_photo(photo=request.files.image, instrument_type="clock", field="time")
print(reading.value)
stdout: 7:24:38
